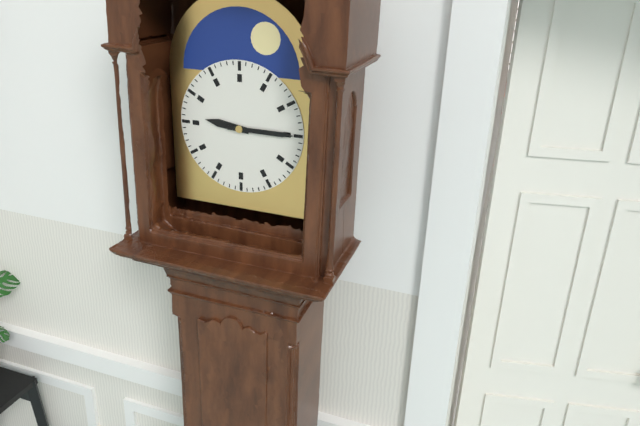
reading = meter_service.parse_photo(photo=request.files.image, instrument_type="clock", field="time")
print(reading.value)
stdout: 9:15
